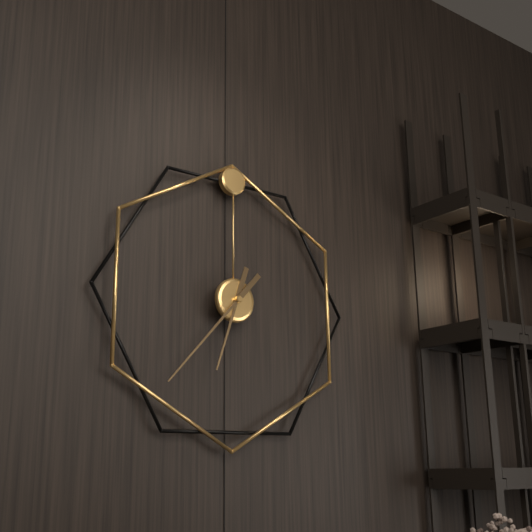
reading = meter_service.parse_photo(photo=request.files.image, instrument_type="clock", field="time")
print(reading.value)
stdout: 6:37
